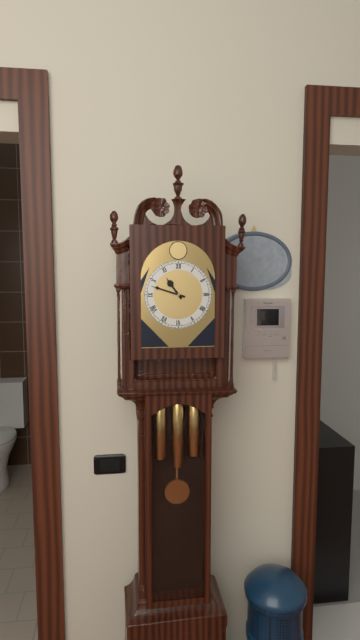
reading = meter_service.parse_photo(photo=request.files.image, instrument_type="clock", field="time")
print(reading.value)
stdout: 10:48
